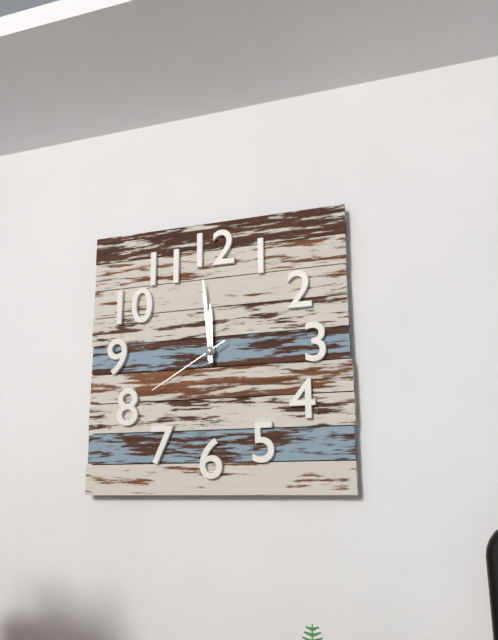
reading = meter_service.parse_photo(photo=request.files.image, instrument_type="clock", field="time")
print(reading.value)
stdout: 11:59:40
